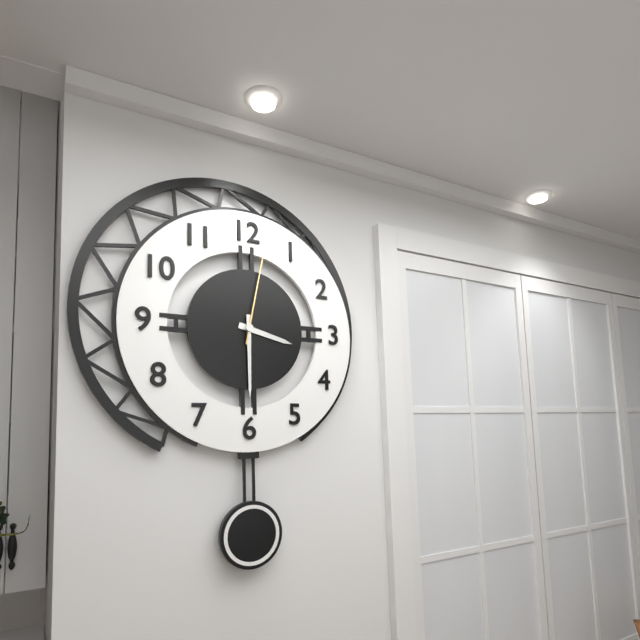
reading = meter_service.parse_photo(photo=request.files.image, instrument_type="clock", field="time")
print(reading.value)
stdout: 3:30:02
